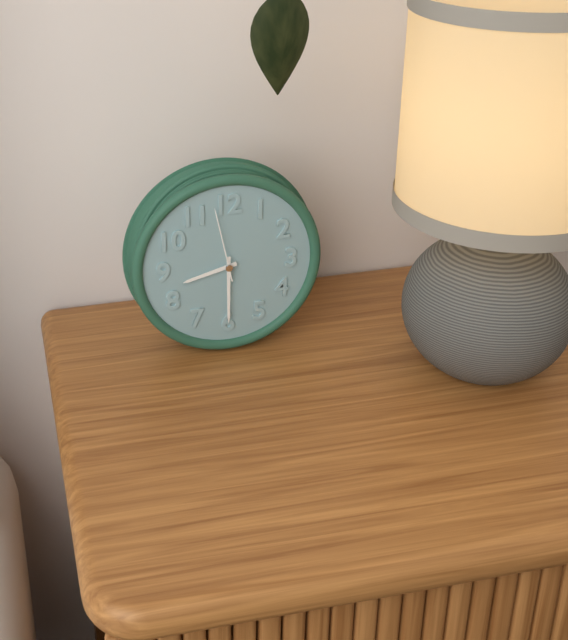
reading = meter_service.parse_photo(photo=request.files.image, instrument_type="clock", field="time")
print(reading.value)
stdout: 8:30:58
